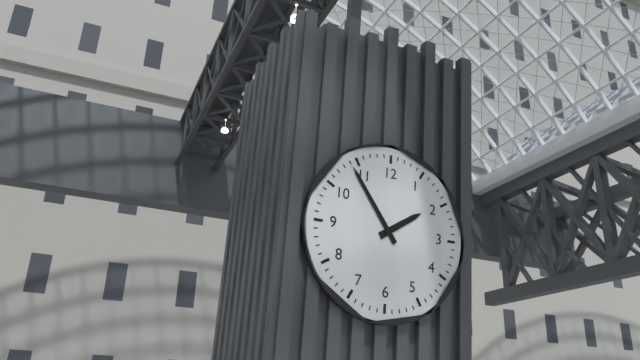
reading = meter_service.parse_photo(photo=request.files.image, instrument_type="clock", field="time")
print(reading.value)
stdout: 1:54
